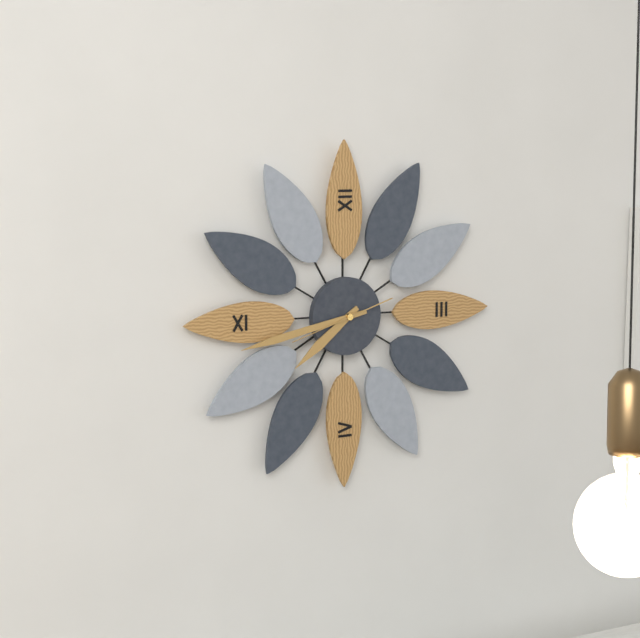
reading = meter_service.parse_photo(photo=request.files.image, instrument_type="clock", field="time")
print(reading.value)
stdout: 7:43:42
